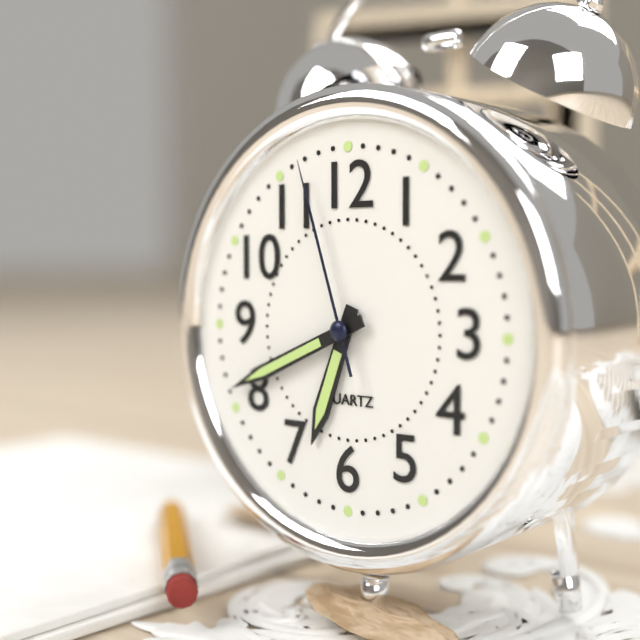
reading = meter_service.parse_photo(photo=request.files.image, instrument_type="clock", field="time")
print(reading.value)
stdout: 6:41:57
